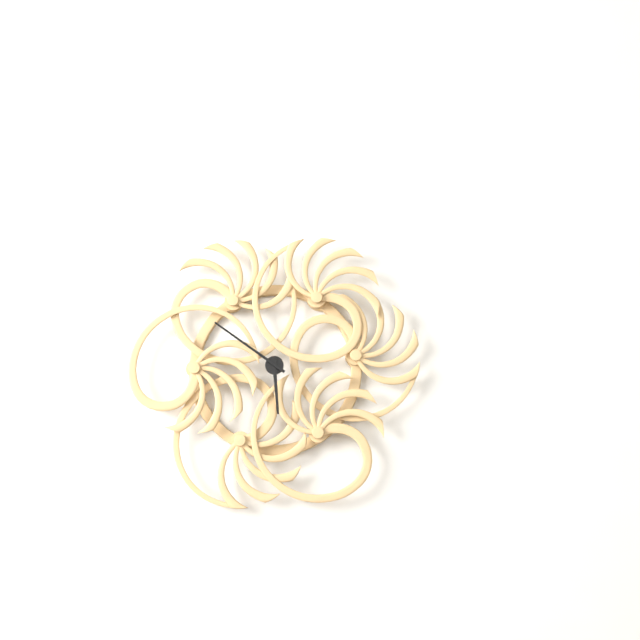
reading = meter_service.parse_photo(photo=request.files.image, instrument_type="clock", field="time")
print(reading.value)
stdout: 5:51
